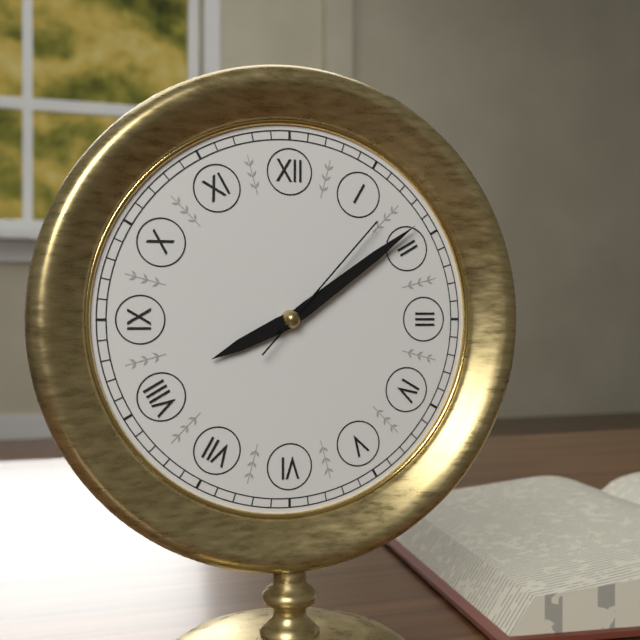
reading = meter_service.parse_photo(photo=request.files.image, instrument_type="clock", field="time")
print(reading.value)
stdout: 8:09:07
